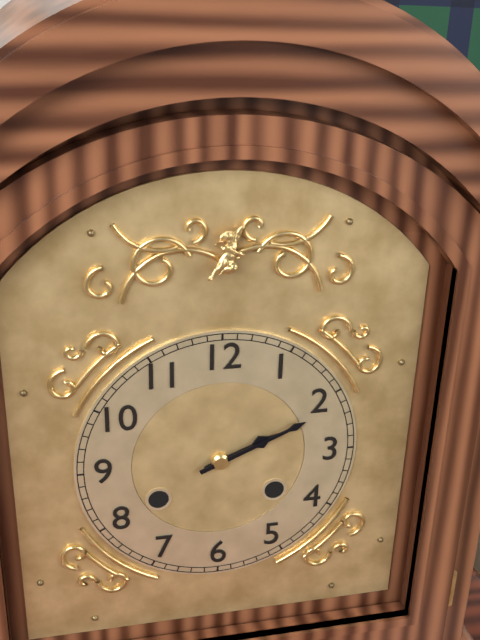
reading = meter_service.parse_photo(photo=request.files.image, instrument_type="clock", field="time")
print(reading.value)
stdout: 2:11
